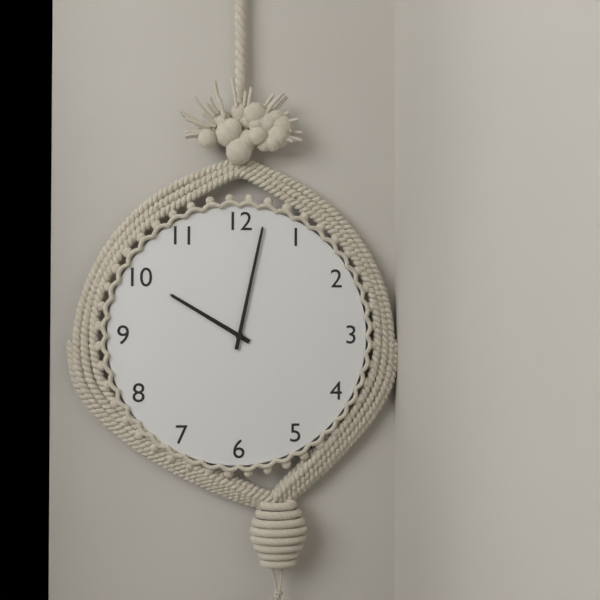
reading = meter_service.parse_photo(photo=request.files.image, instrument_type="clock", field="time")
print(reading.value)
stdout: 10:02
